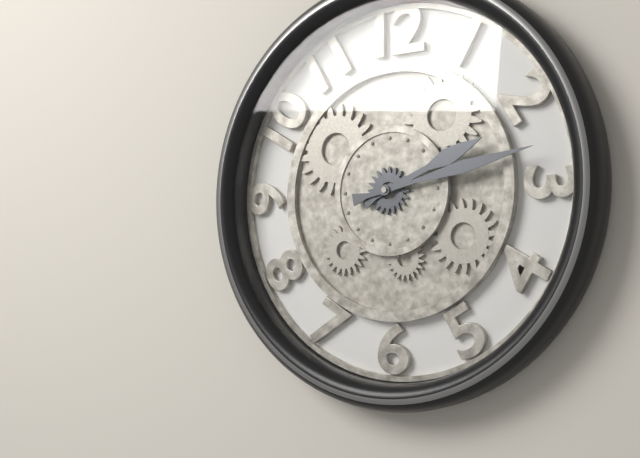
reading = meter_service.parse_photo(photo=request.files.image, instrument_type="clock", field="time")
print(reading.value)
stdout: 2:13
